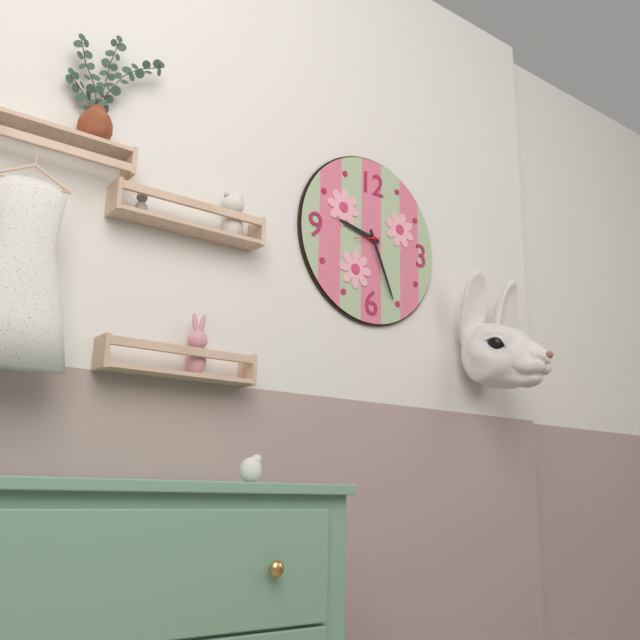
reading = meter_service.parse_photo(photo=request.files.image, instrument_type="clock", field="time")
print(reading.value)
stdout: 9:26
